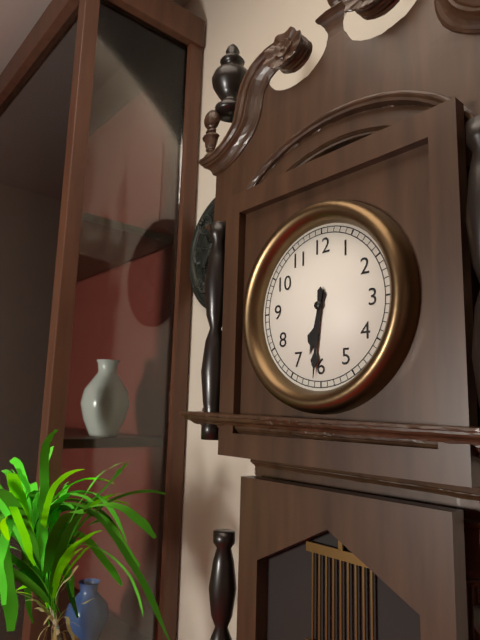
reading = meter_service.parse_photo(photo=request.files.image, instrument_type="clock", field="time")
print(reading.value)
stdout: 6:31
